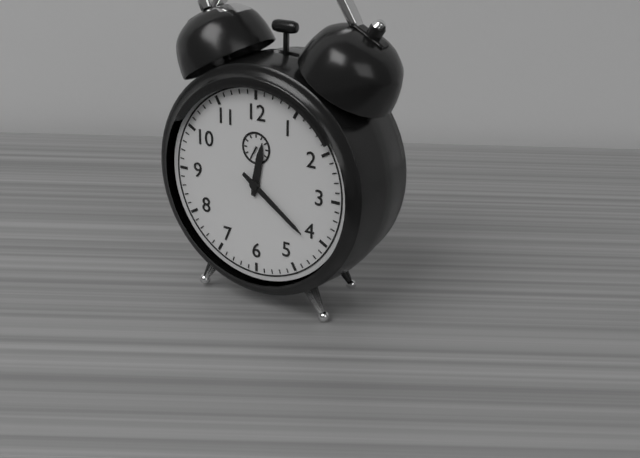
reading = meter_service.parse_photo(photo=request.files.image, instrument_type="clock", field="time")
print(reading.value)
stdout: 12:21
